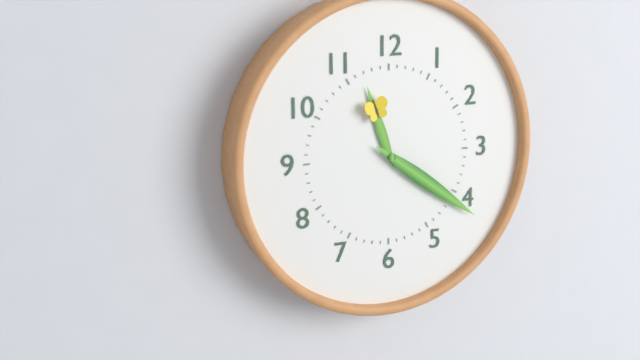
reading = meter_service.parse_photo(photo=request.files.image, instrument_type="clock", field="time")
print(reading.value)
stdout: 11:21
